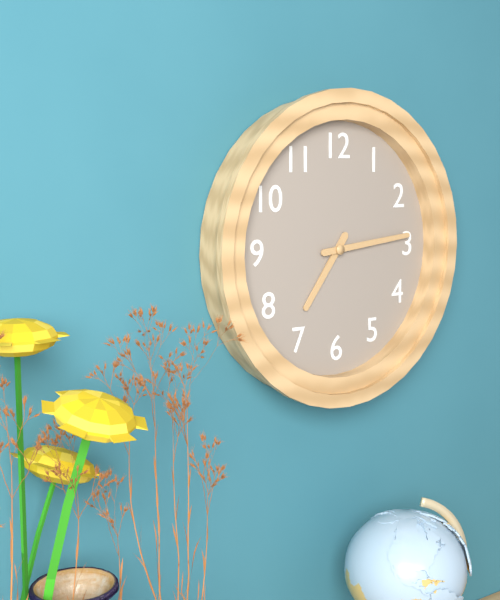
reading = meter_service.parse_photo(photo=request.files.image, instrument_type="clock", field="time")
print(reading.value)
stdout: 7:14
